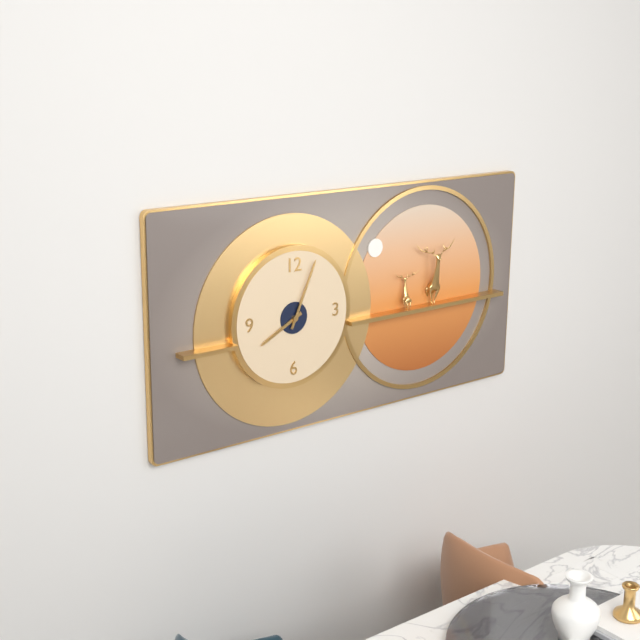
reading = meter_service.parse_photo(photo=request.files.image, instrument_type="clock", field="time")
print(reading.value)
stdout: 8:04
